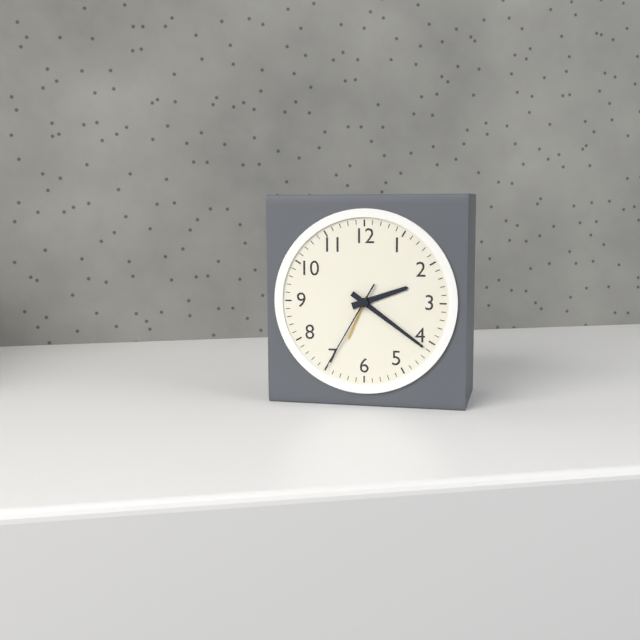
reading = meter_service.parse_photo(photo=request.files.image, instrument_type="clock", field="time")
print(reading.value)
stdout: 2:21:35
